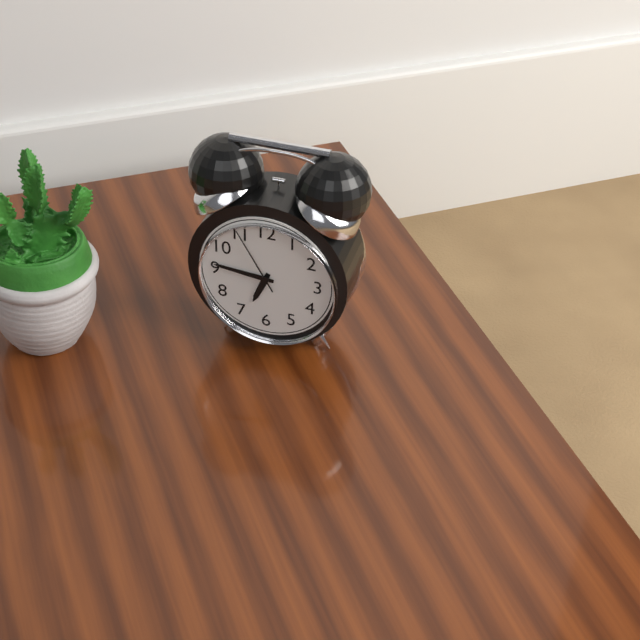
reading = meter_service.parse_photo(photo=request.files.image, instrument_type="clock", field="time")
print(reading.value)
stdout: 6:46:55
